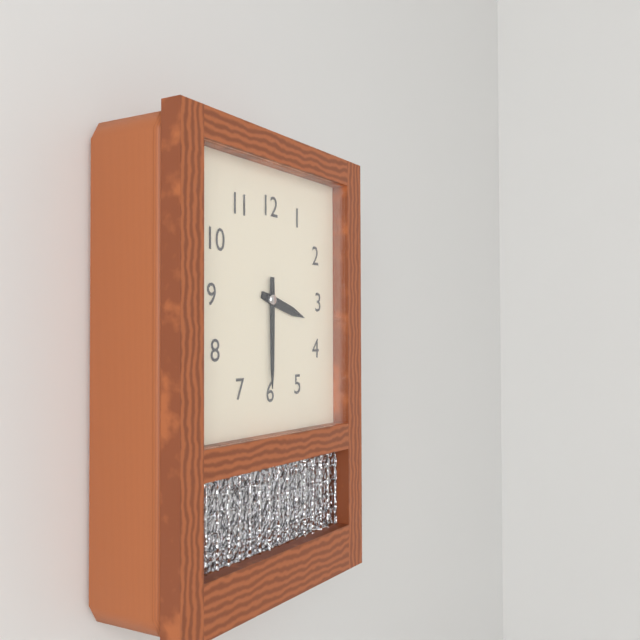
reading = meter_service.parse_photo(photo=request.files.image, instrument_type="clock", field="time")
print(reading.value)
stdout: 3:30
